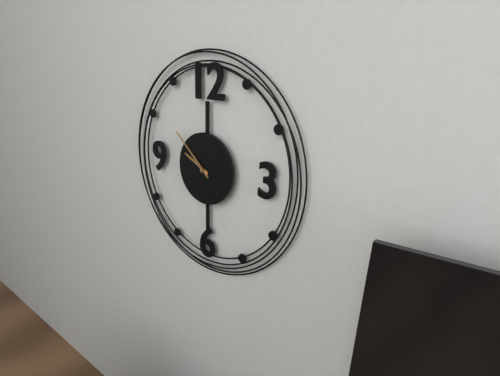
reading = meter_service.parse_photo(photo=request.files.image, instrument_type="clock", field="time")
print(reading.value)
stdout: 9:52
